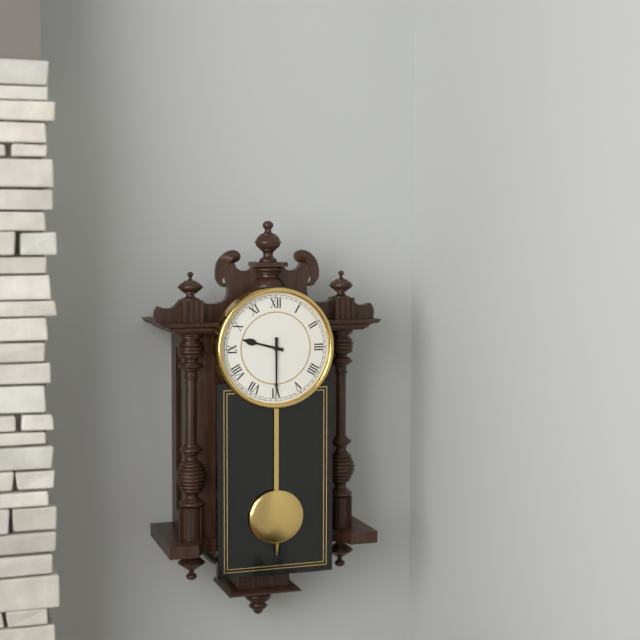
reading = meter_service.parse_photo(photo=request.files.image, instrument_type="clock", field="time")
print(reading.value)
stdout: 9:30
